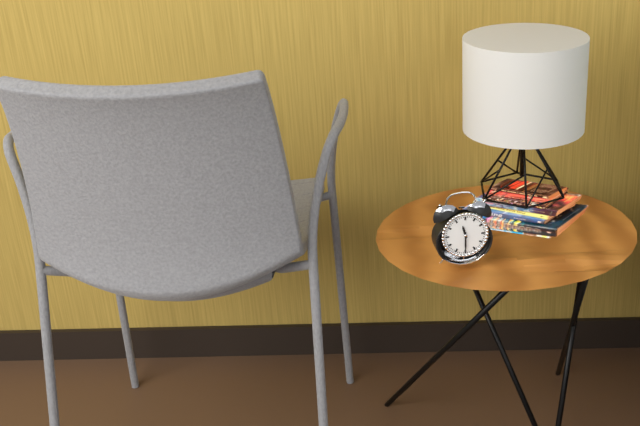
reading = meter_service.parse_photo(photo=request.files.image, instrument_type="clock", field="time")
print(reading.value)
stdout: 11:30
